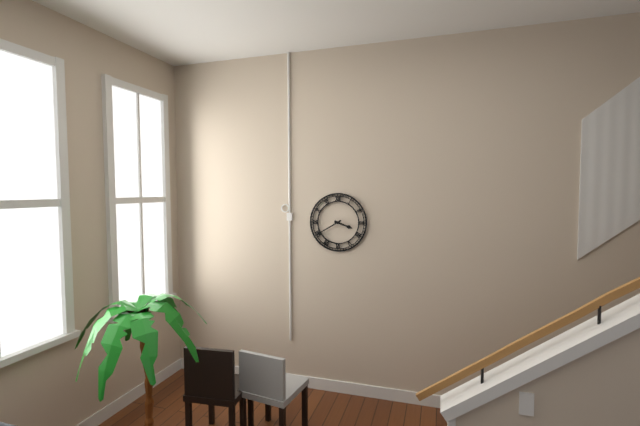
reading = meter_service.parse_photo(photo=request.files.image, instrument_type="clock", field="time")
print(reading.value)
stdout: 3:40
